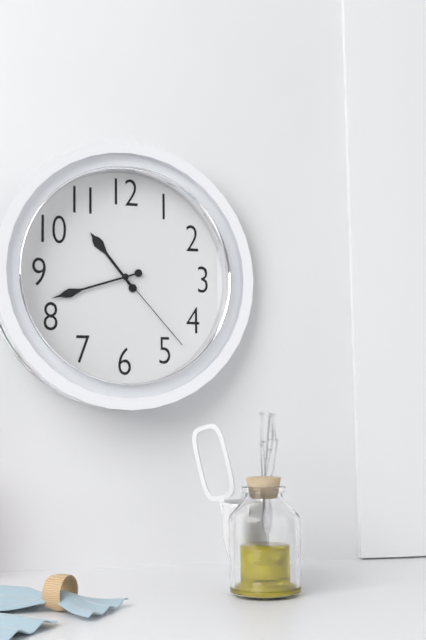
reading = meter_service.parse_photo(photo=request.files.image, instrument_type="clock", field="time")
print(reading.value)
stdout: 10:42:23
